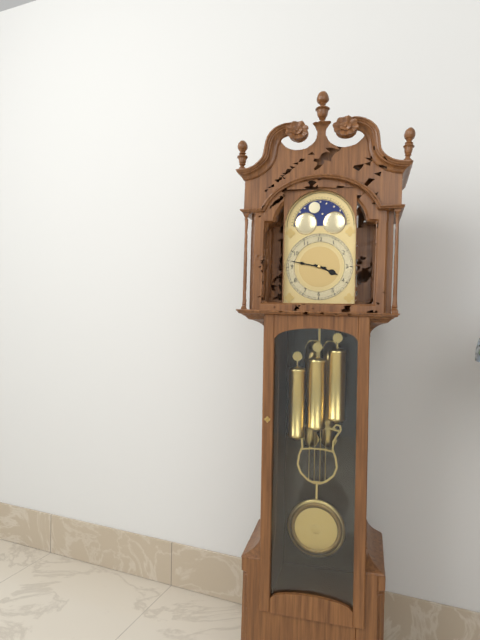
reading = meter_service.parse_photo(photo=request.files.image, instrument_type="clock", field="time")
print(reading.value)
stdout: 3:47
